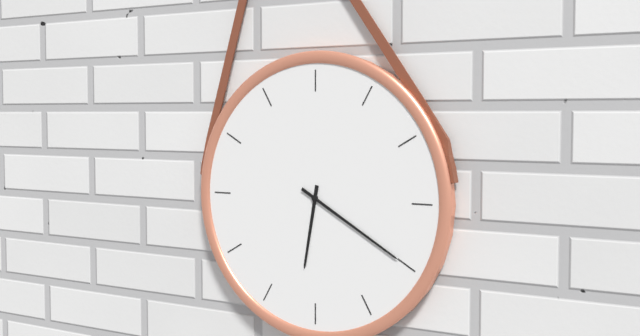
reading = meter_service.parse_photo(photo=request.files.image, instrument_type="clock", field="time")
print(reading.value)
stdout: 6:20
